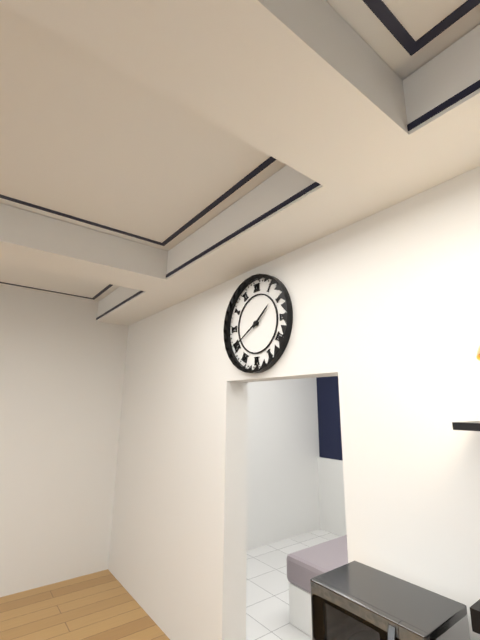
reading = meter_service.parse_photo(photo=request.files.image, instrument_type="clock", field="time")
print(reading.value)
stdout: 1:40
